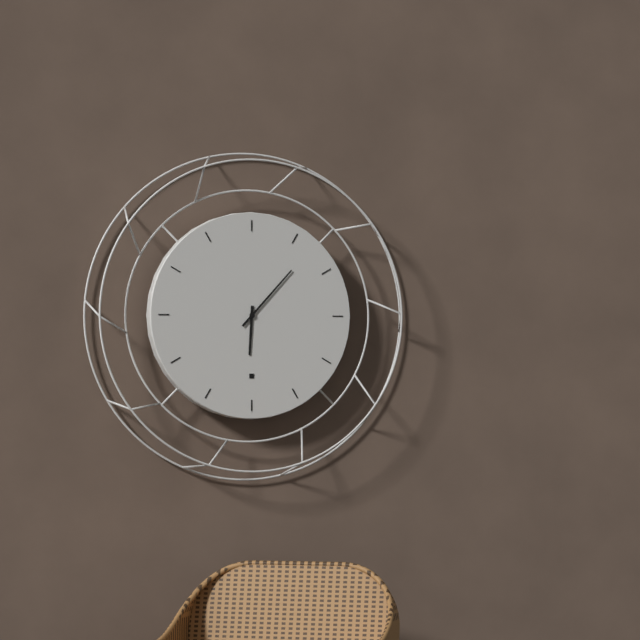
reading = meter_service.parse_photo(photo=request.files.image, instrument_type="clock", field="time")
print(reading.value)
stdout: 6:07
